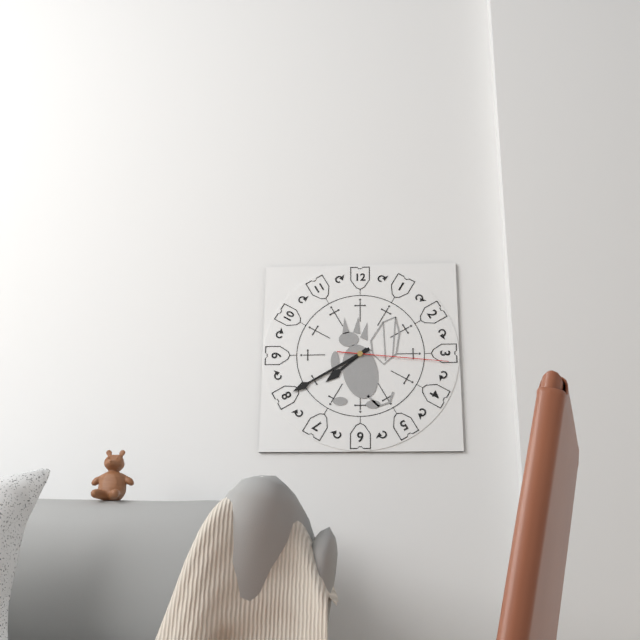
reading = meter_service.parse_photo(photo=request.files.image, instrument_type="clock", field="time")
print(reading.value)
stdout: 7:40:16
